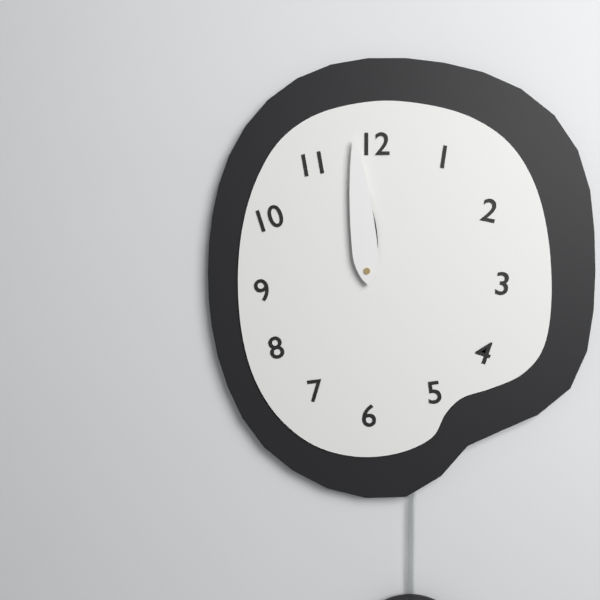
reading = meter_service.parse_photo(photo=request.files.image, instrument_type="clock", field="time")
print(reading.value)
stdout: 11:59
